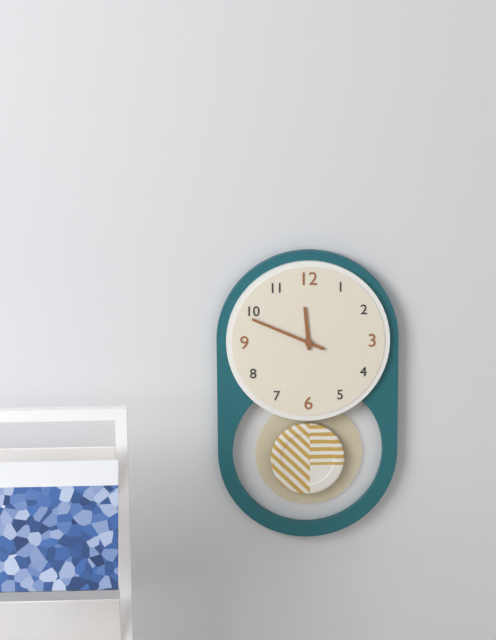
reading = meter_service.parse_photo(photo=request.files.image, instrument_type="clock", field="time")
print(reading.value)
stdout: 11:49
